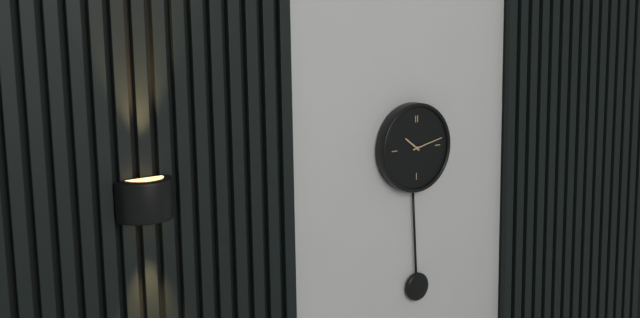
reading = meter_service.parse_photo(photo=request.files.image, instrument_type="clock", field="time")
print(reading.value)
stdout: 10:13
